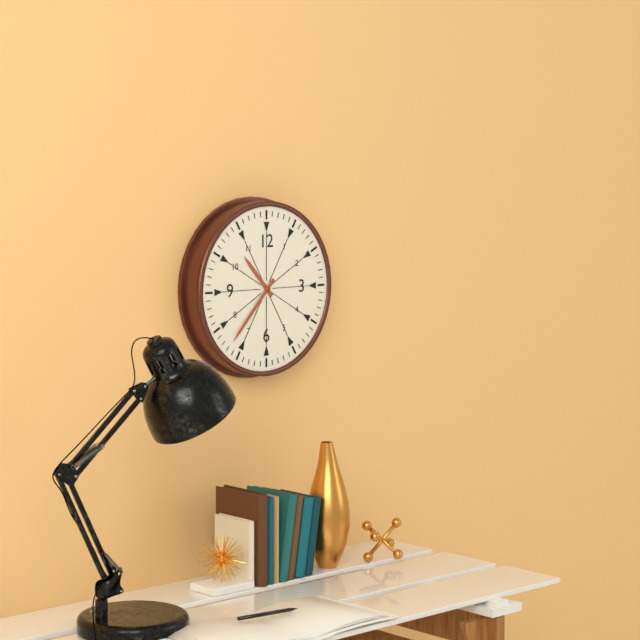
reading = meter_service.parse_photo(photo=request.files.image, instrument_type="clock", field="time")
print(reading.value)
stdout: 10:37
